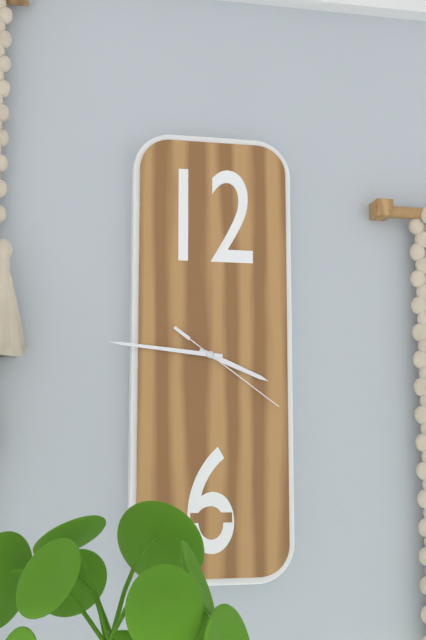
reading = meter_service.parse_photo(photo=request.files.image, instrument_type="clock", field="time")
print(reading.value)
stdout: 3:46:21
